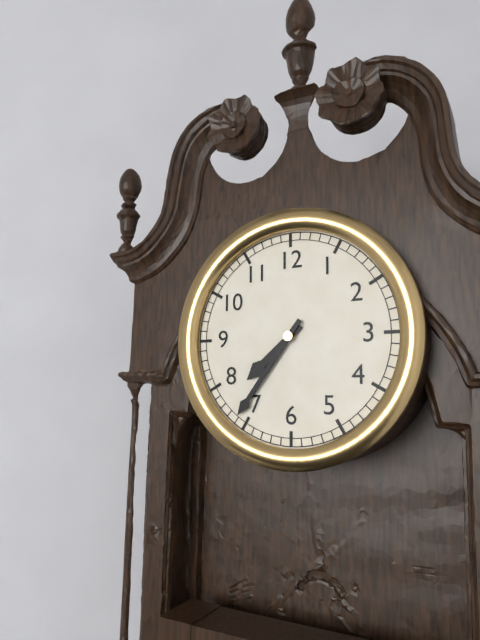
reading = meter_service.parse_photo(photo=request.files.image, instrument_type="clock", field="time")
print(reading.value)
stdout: 7:36
